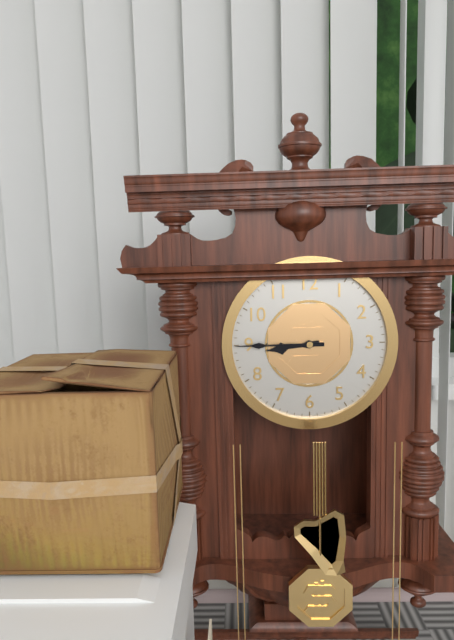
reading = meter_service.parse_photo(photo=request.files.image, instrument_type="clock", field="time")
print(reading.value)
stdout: 8:45
